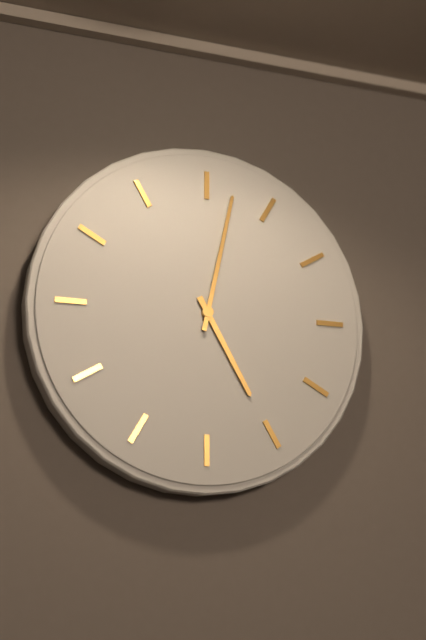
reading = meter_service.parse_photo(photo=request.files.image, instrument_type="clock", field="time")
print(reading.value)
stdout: 5:02
